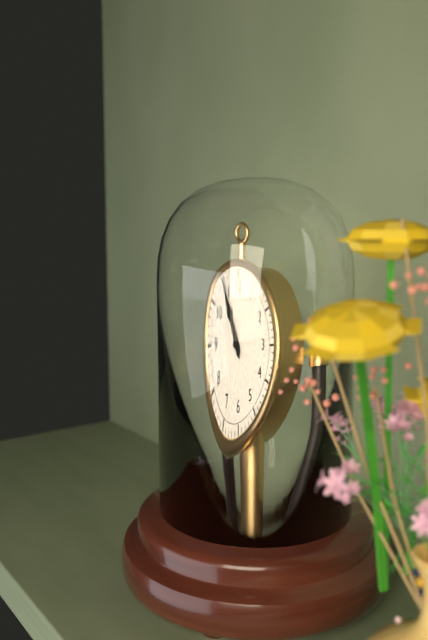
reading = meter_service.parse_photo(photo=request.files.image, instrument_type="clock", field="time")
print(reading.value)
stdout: 10:55
